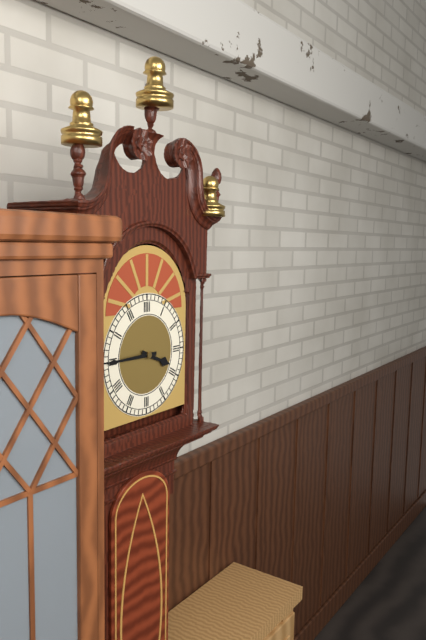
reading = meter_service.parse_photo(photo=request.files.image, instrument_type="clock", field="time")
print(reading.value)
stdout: 3:45
